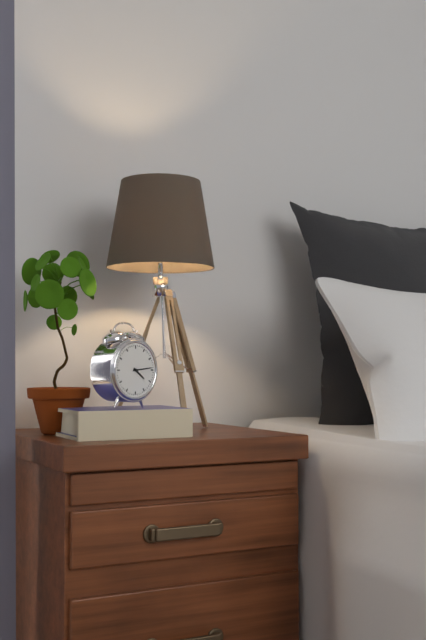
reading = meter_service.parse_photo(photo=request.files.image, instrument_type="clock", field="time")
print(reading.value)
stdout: 4:14
